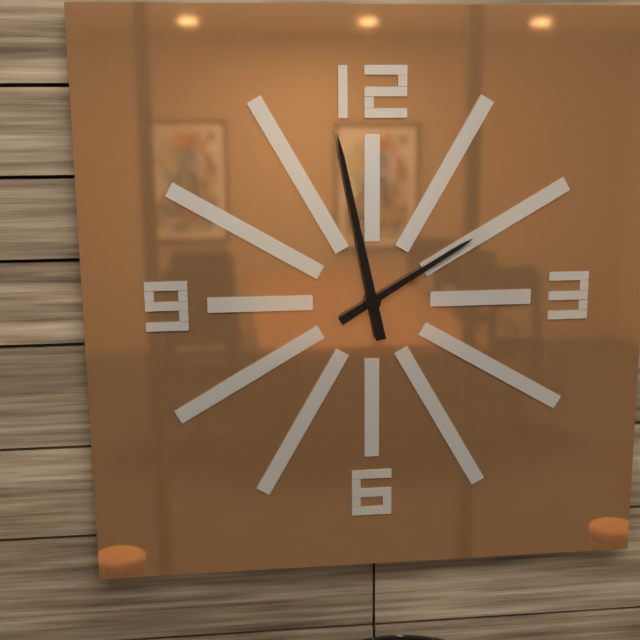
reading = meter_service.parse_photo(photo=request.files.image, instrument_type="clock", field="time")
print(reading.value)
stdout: 1:58
